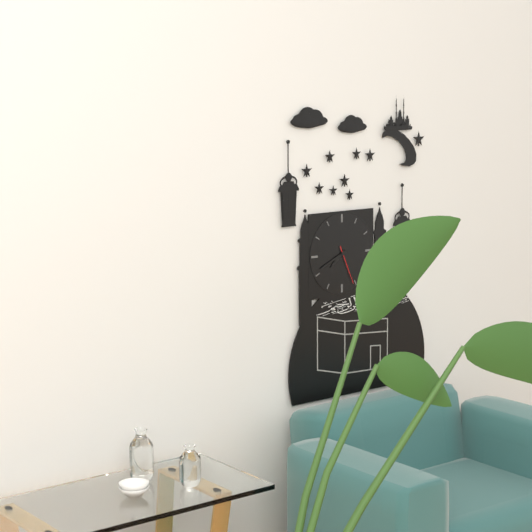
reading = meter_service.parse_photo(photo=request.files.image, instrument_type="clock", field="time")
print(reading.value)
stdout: 7:41
